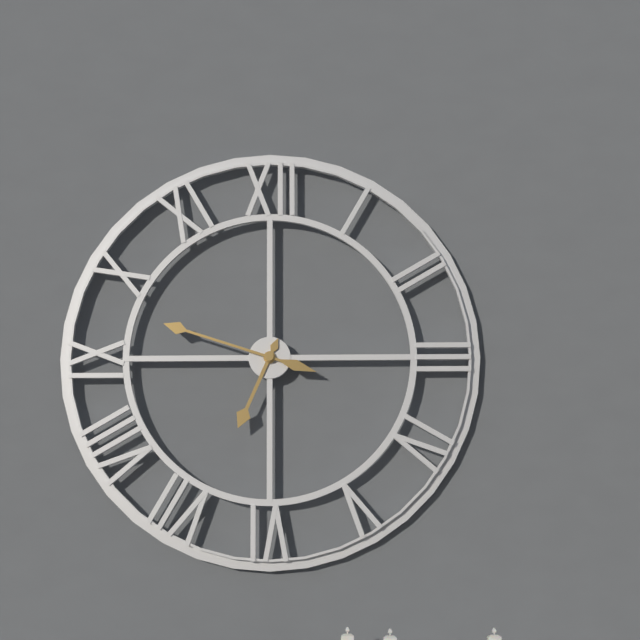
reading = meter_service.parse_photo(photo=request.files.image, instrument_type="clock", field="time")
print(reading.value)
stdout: 6:48
